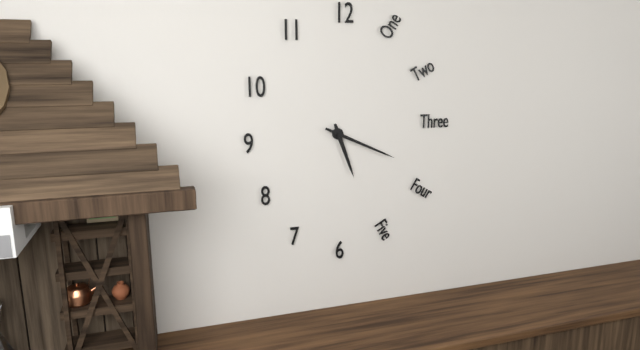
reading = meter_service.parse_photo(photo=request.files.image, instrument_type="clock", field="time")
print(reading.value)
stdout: 5:19
